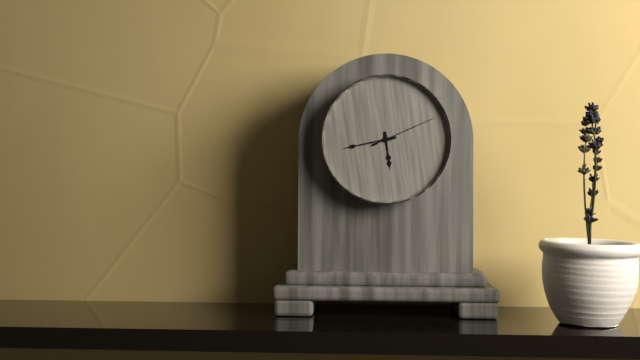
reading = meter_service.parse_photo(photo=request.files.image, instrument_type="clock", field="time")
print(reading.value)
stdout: 5:43:11
